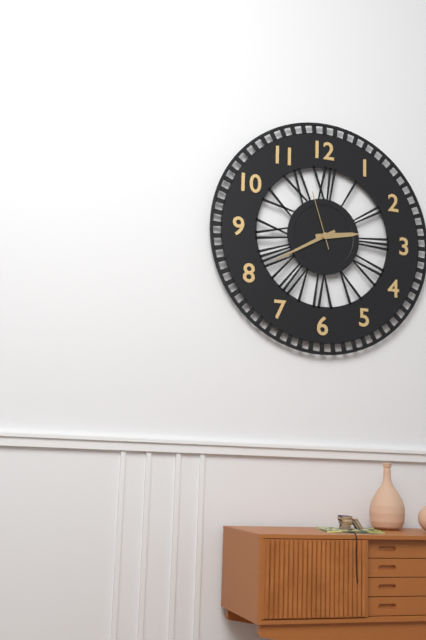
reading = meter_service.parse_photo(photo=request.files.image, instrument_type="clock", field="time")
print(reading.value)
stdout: 2:40:57
